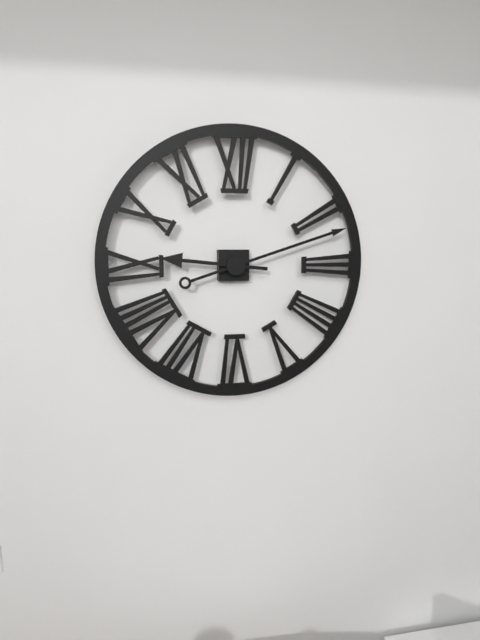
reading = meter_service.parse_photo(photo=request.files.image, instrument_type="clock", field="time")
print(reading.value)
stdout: 9:12
